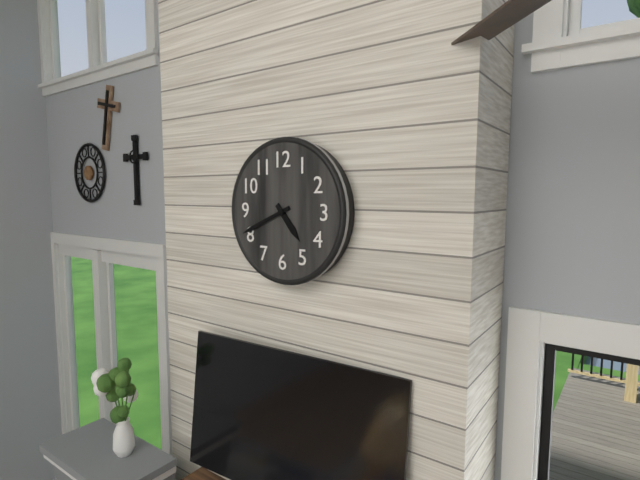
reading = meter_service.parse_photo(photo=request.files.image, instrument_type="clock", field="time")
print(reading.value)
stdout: 4:41
